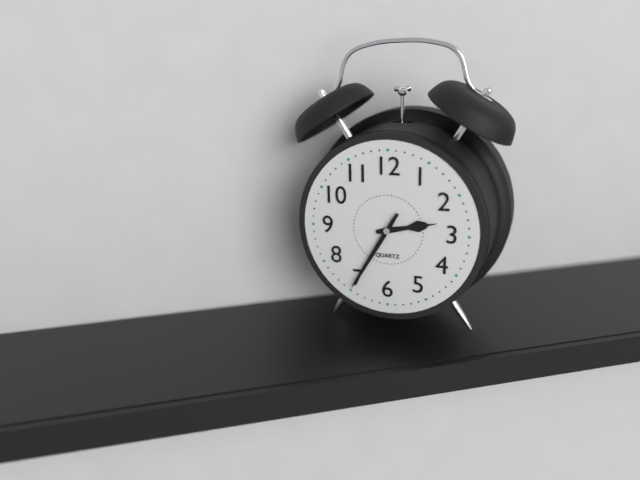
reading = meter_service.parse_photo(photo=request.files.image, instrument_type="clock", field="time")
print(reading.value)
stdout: 2:35
